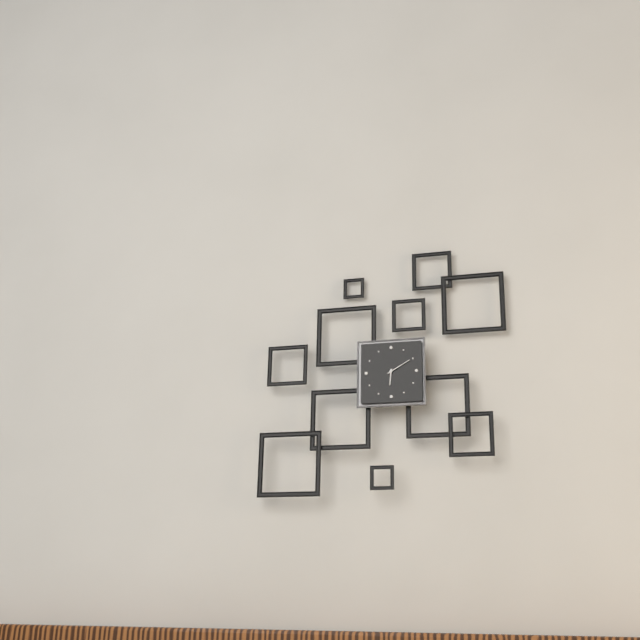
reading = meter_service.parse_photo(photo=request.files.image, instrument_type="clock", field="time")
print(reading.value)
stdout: 6:10
